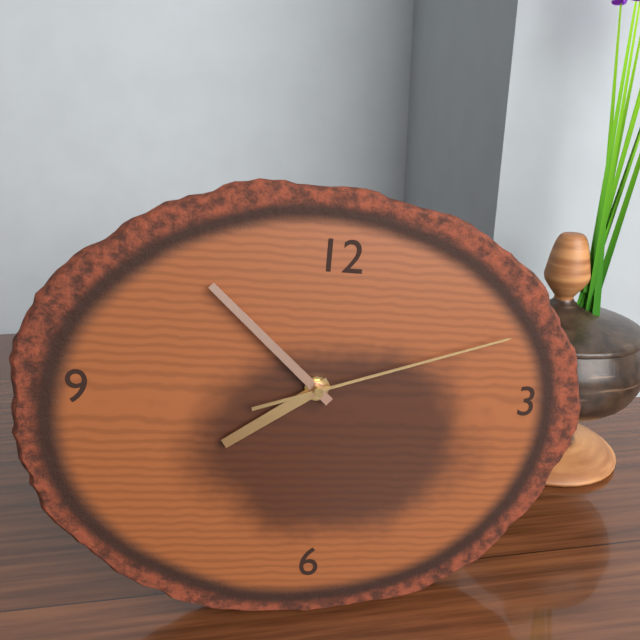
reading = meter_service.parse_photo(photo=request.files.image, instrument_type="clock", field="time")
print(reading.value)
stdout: 7:52:12
